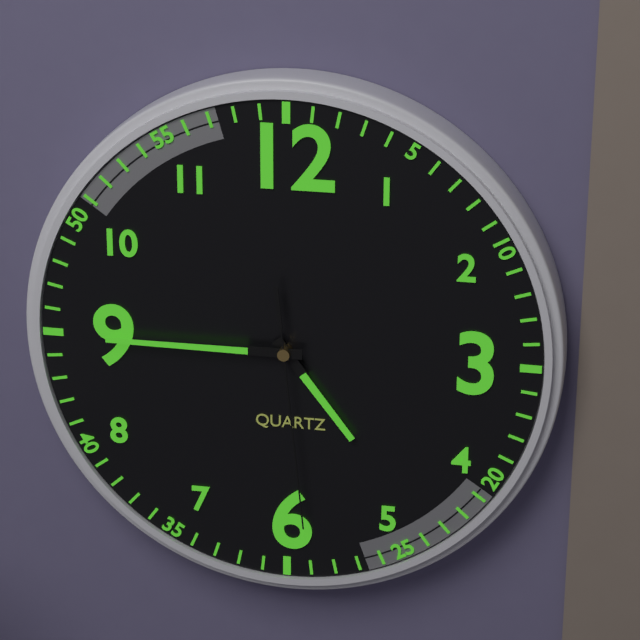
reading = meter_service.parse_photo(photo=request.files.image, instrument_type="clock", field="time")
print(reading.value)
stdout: 4:45:29
